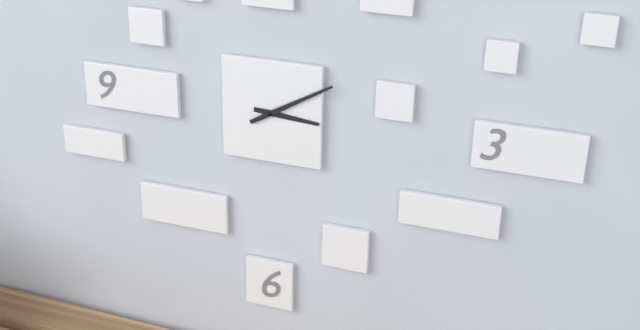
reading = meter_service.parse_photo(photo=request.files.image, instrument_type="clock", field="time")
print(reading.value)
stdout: 3:10
